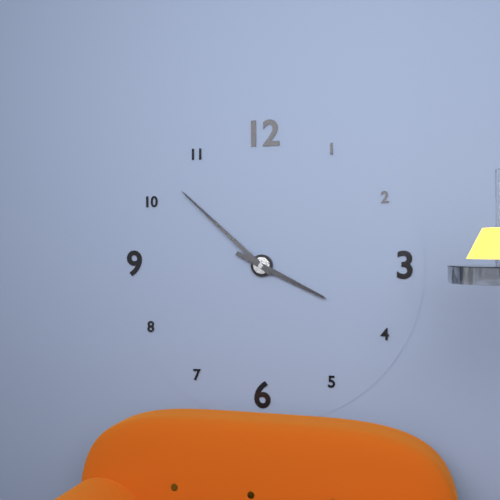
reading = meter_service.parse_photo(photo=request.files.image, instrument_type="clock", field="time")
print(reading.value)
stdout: 3:52
